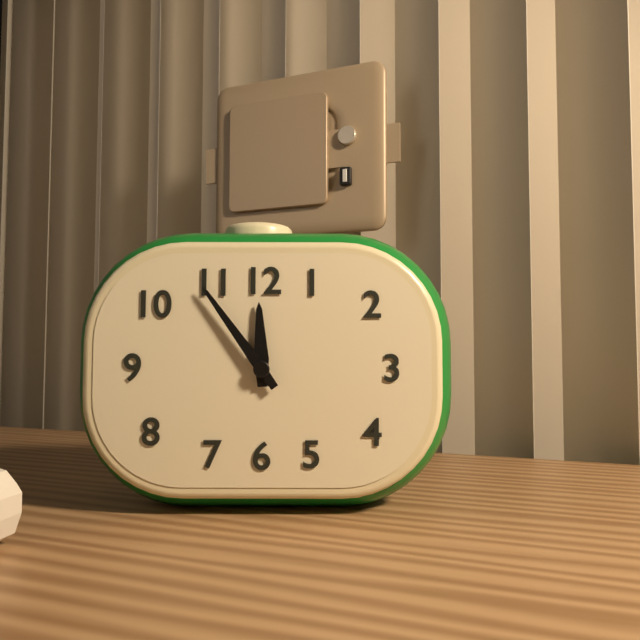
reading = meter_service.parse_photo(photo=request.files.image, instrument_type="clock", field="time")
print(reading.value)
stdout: 11:54
